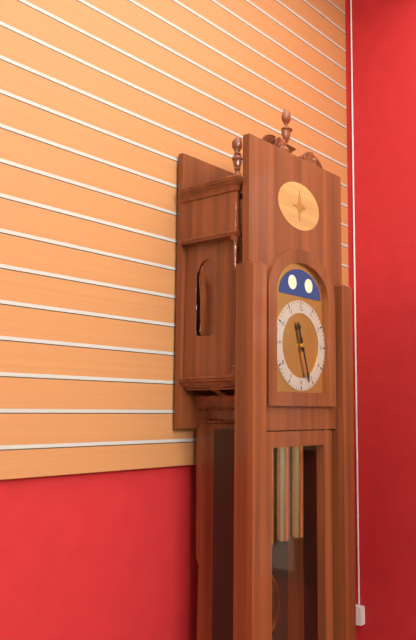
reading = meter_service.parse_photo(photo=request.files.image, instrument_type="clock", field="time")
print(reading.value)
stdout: 11:27
